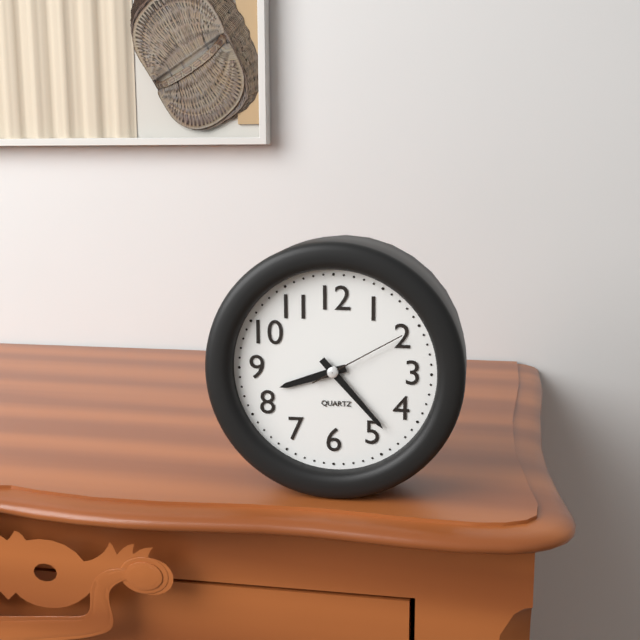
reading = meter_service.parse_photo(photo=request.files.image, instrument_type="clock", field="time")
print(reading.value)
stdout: 8:23:10
